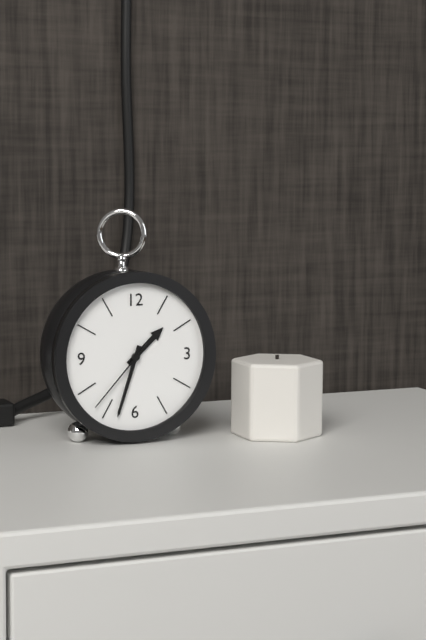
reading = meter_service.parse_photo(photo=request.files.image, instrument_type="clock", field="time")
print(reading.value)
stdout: 1:33:37
